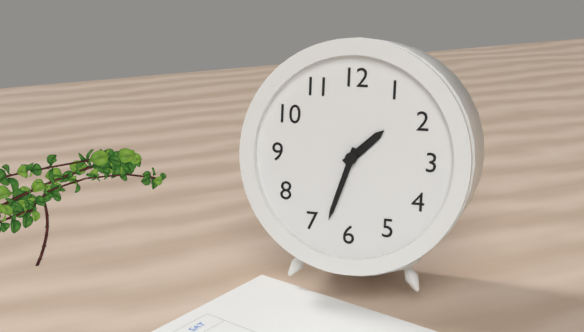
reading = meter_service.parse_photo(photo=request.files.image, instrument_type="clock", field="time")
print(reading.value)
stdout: 1:33
